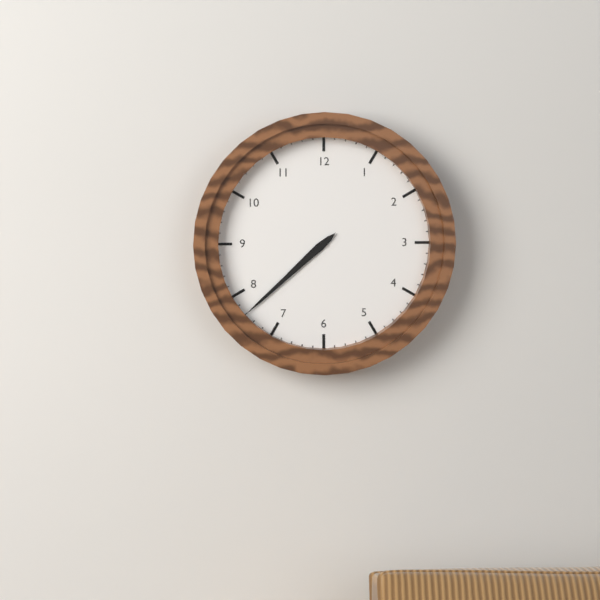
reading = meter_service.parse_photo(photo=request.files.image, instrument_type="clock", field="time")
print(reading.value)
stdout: 7:38
